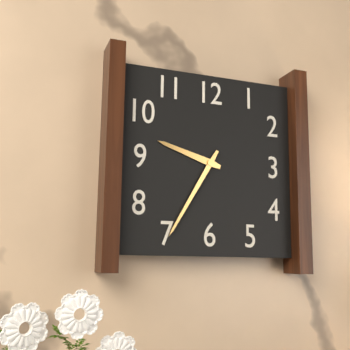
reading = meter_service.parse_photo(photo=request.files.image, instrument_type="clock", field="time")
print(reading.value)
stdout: 9:35
